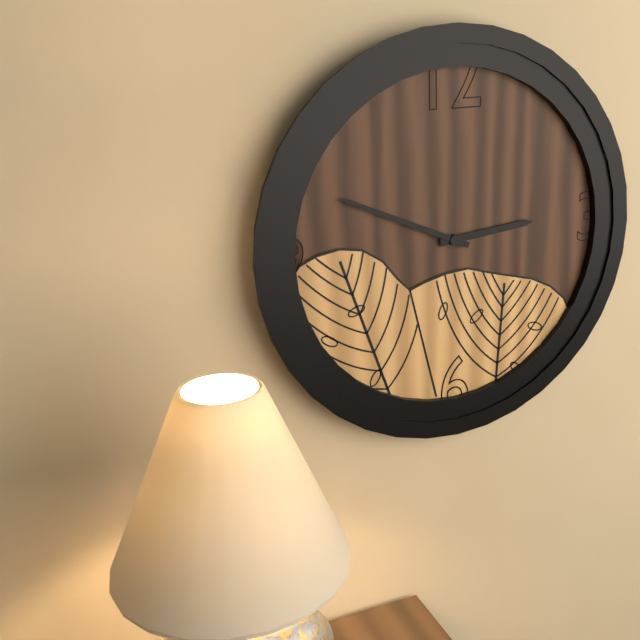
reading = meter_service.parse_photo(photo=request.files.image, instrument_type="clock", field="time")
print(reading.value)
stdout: 2:49
